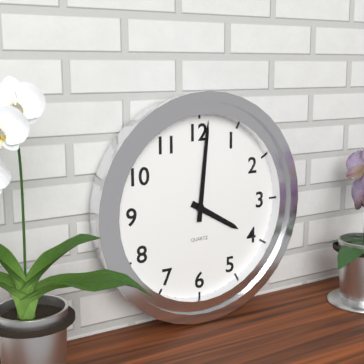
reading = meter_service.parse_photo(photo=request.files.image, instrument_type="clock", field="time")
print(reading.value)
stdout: 4:01
